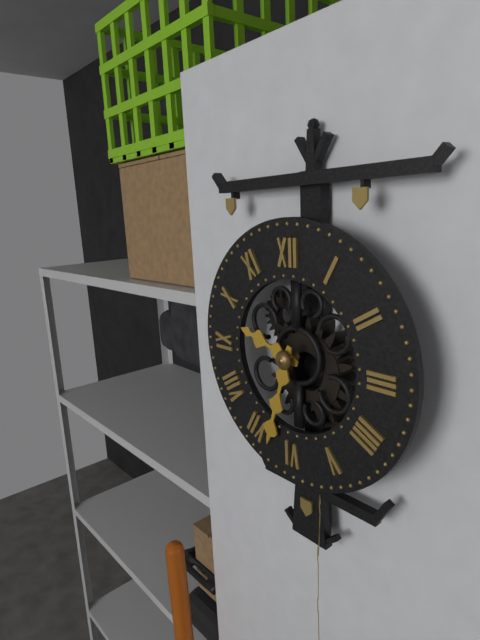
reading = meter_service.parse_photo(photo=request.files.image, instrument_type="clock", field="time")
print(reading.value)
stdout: 9:33
